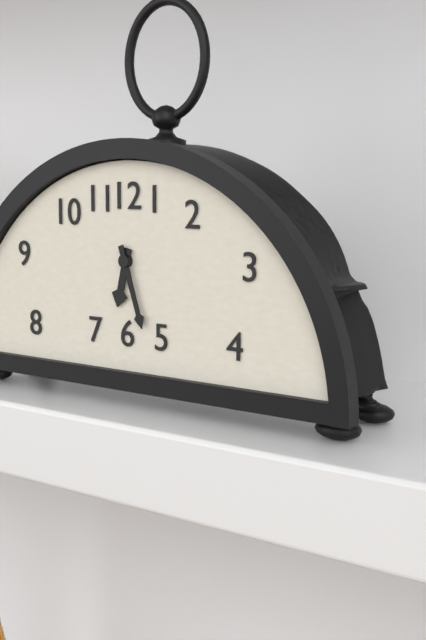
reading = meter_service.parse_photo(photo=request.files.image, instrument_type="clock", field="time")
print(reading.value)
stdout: 6:27
